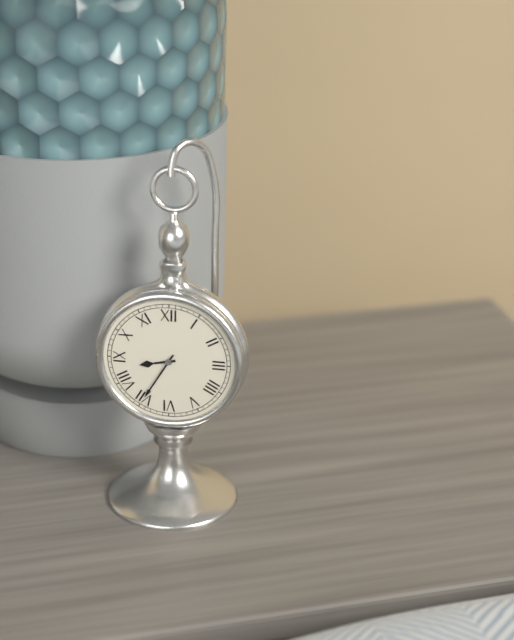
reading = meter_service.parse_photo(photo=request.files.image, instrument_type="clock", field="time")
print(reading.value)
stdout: 8:35
